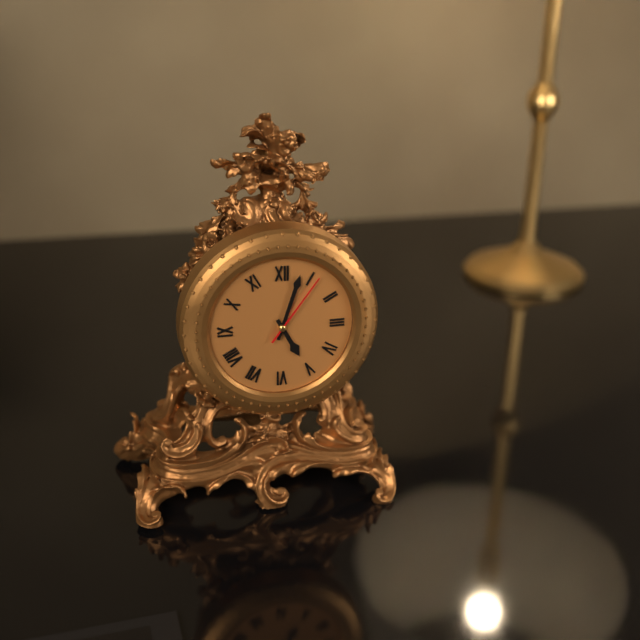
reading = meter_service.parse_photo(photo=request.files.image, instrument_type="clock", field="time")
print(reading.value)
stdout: 5:03:06
